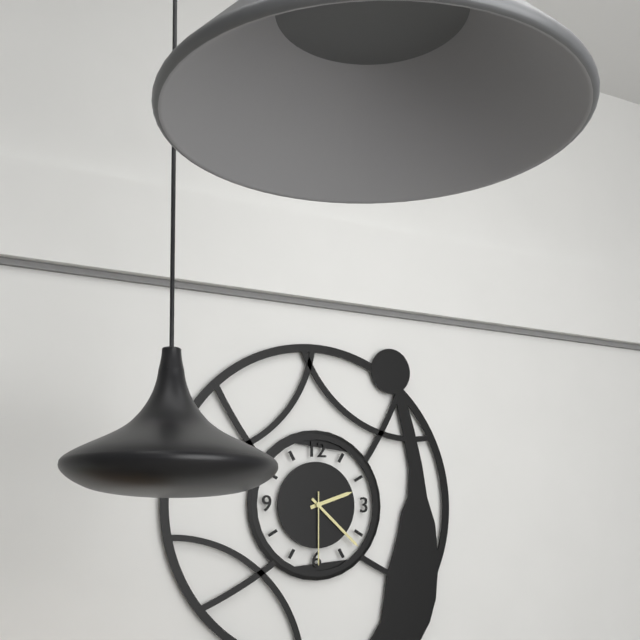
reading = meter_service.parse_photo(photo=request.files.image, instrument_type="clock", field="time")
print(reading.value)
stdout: 2:22:30
